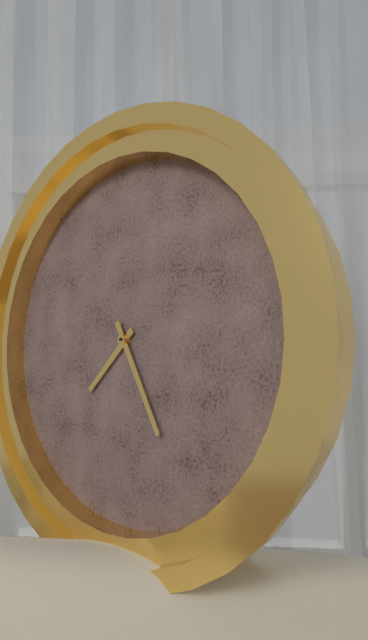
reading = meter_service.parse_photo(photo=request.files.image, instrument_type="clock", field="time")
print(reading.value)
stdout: 7:25
